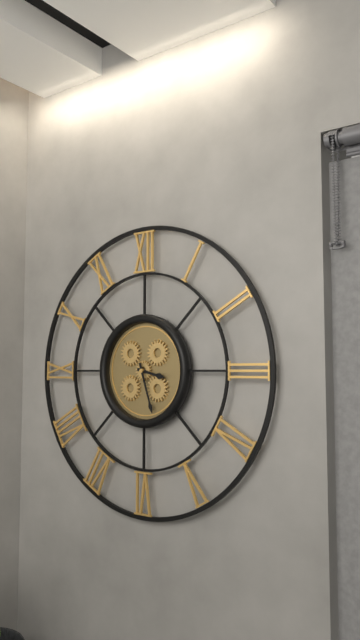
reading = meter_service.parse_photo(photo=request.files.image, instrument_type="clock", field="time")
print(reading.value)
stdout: 3:27
